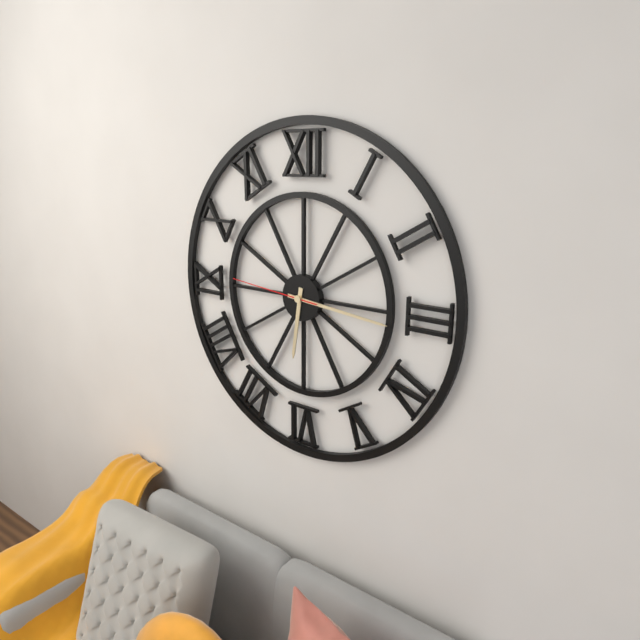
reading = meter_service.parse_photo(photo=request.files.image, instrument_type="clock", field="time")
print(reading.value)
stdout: 6:16:46
